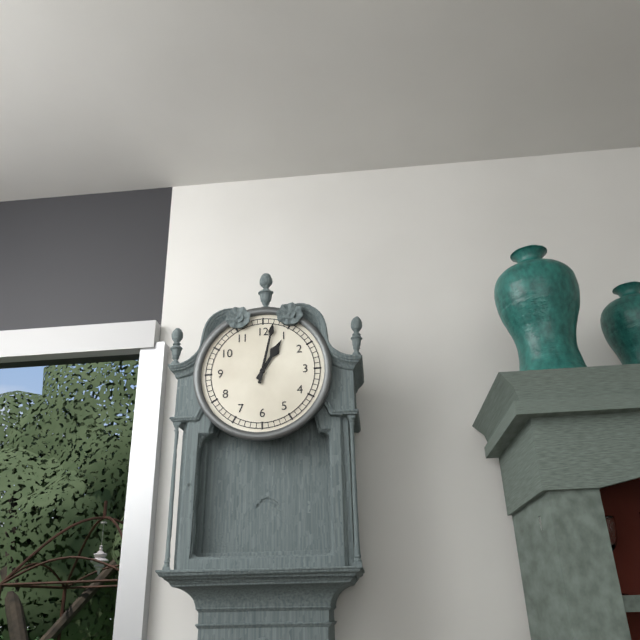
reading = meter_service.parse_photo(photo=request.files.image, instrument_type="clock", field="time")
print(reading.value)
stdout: 1:02
